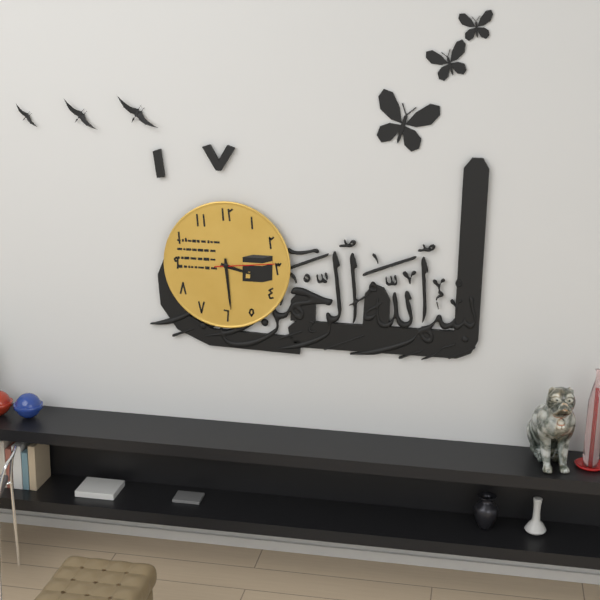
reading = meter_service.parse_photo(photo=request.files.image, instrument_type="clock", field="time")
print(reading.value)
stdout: 3:29:14
